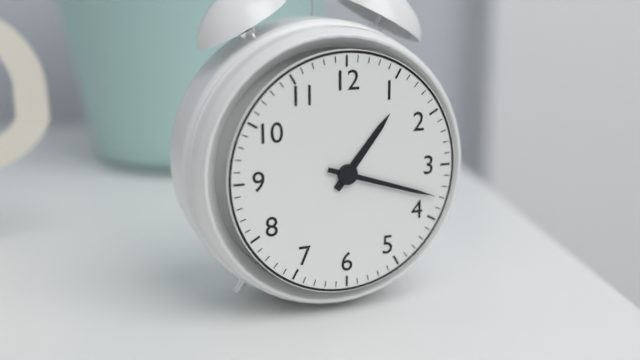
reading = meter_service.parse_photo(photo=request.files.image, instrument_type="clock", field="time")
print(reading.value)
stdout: 1:18
